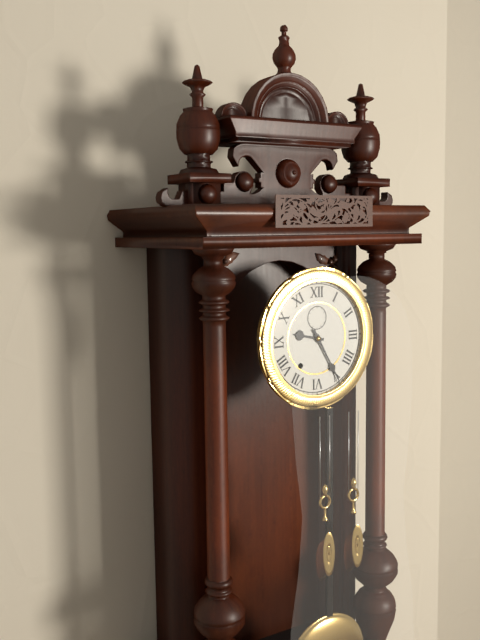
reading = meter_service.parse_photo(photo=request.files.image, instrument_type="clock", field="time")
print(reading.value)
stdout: 9:25
